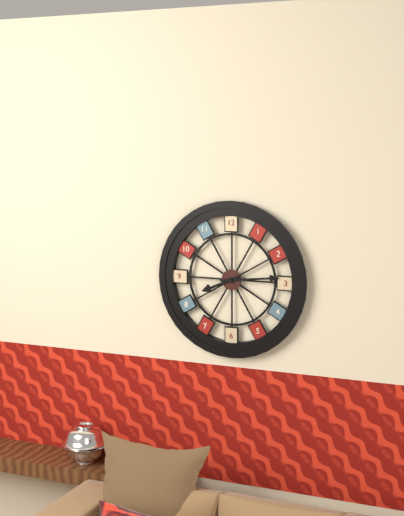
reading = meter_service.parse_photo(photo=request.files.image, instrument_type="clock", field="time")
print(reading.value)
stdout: 8:14
